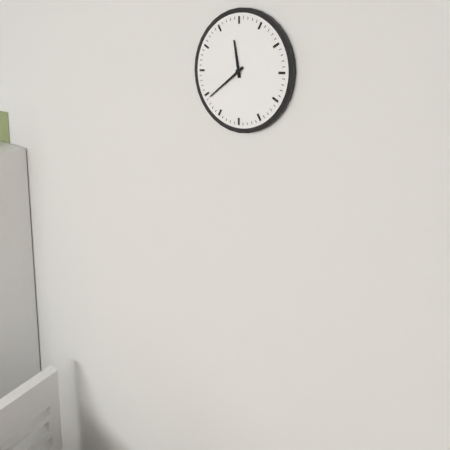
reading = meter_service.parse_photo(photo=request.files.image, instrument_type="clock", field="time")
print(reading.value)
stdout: 11:39
